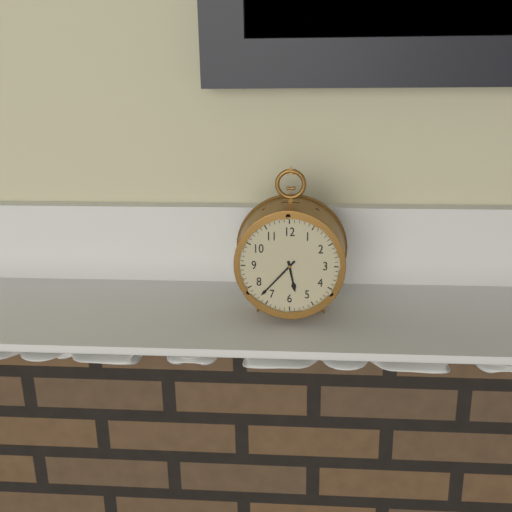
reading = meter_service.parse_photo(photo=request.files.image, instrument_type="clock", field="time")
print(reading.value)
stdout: 5:37
